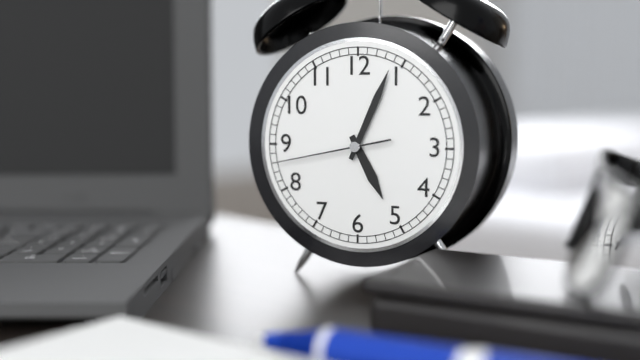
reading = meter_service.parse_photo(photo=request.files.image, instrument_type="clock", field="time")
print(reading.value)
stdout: 5:04:43
